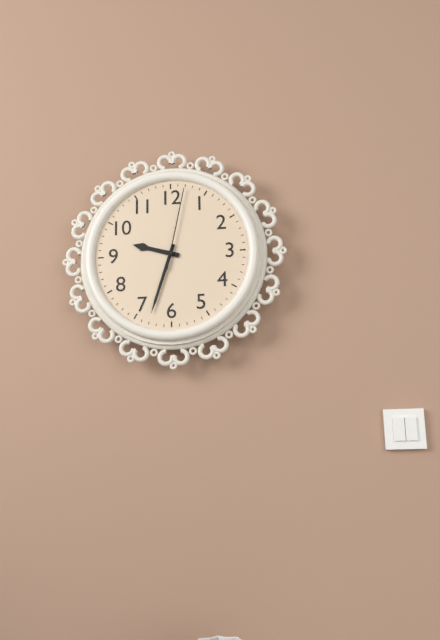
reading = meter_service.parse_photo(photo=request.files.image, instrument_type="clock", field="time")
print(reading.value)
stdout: 9:33:02
